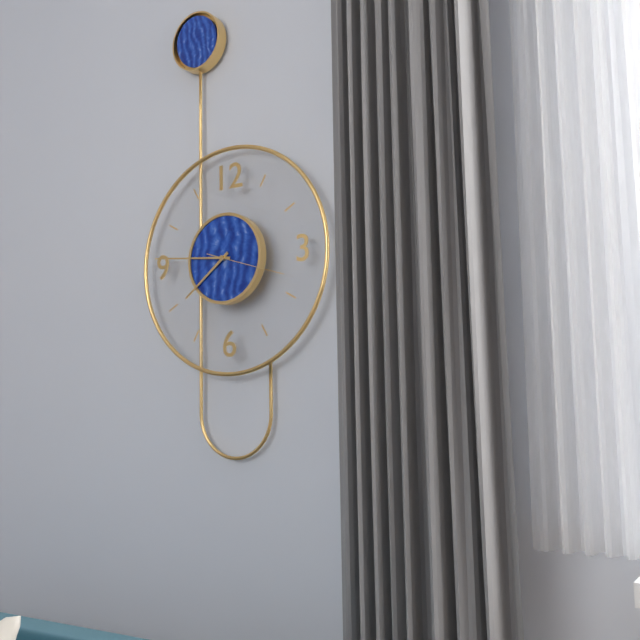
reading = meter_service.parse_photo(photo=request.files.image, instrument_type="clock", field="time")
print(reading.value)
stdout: 7:46:18
